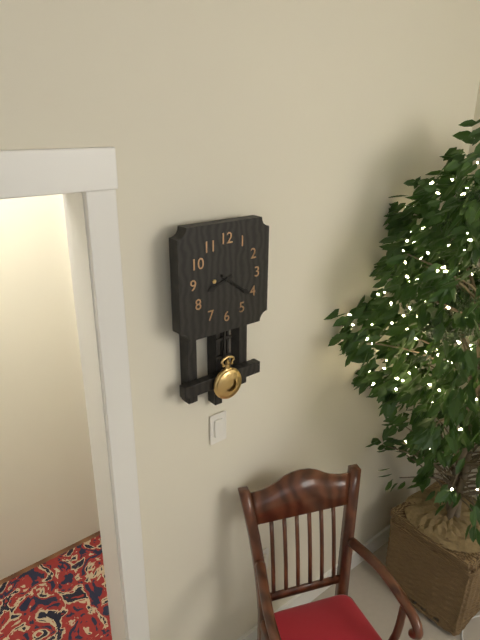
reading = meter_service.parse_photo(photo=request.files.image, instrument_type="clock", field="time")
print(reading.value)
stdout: 8:21
